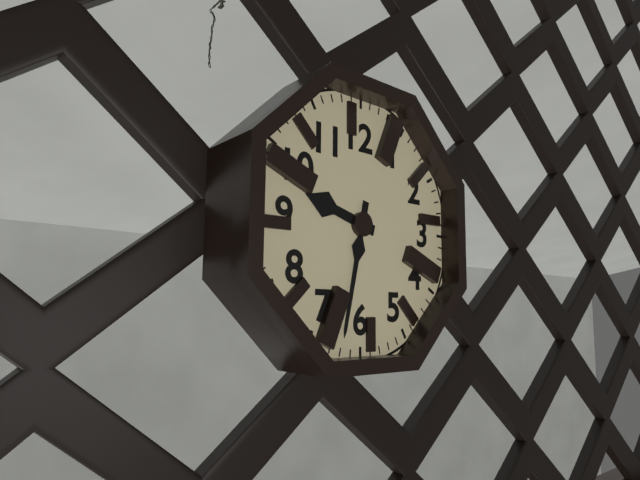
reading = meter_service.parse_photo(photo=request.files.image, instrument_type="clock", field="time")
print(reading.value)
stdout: 9:32
